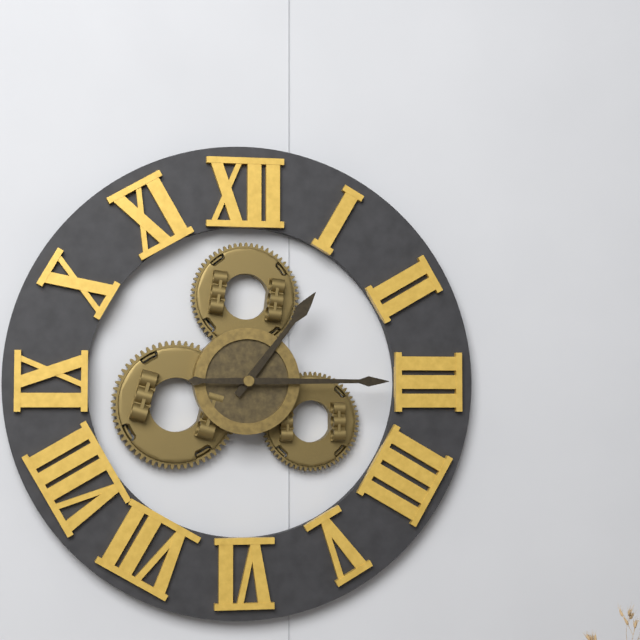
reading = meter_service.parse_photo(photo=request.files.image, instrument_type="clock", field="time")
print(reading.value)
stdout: 1:15
